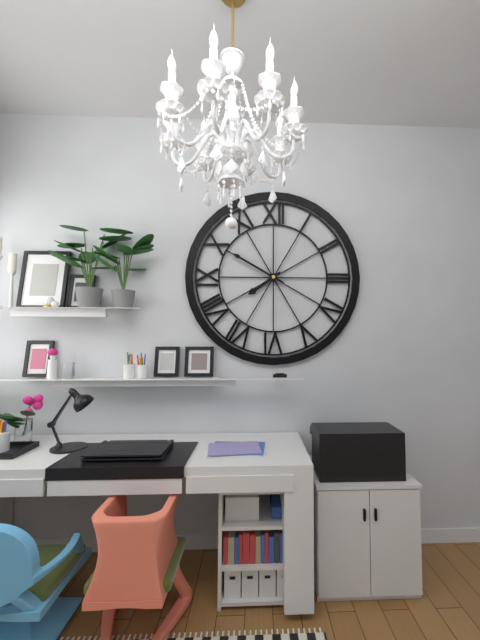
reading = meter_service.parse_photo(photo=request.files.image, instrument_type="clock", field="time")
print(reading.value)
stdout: 7:50
